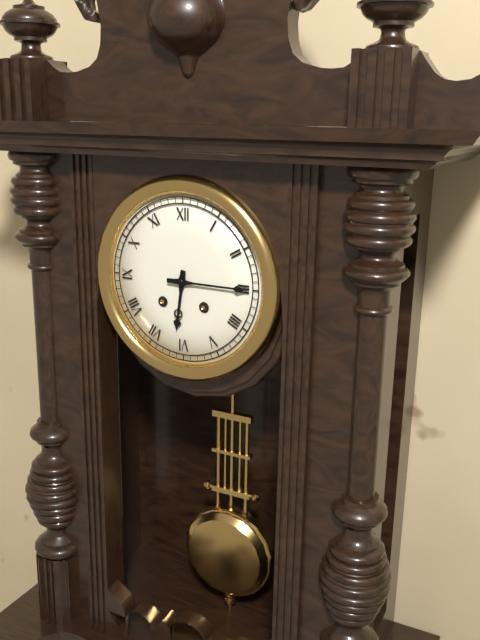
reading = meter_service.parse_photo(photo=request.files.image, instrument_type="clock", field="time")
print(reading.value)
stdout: 6:15
